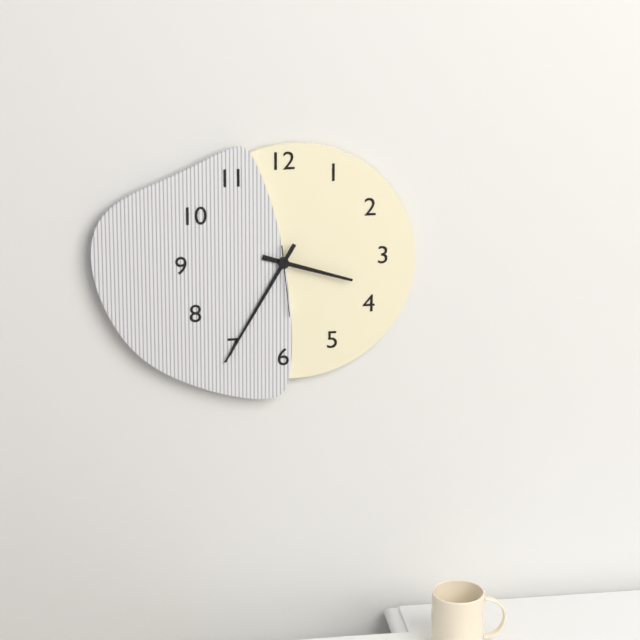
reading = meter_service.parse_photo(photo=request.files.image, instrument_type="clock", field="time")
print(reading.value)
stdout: 3:35:29
